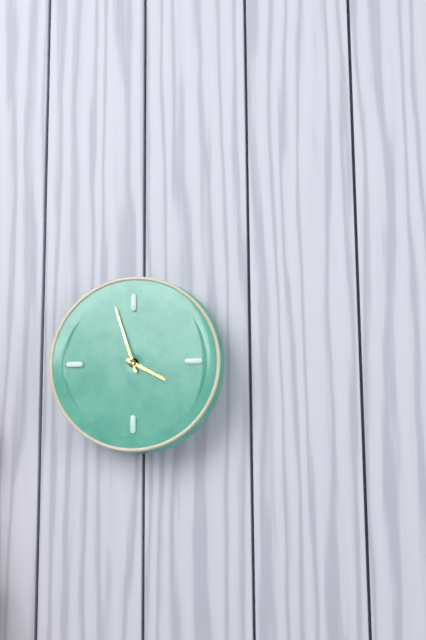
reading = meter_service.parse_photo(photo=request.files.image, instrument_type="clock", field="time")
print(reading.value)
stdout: 3:57
